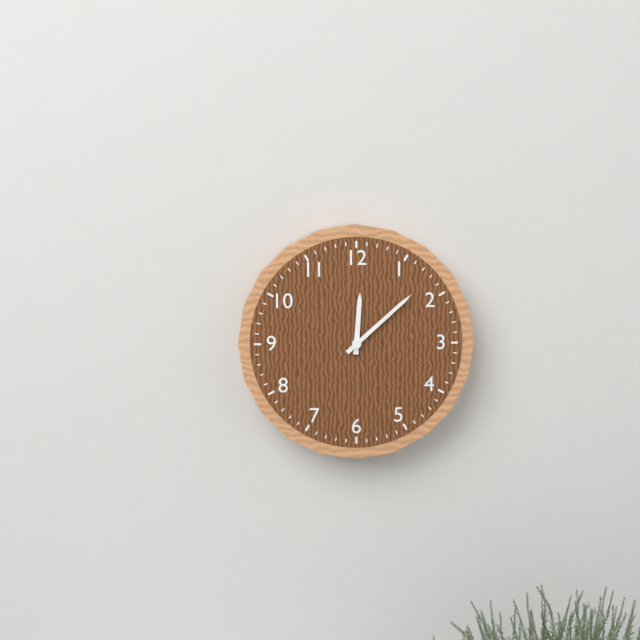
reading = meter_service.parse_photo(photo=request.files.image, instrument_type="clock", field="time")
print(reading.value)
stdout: 12:08
